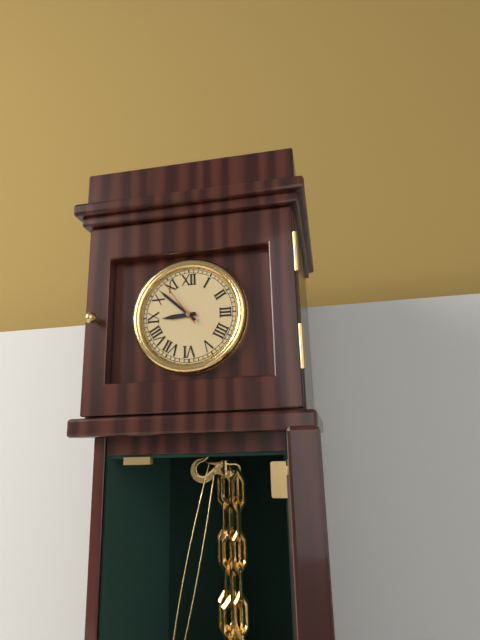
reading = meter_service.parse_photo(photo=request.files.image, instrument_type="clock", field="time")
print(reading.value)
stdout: 8:52:54
